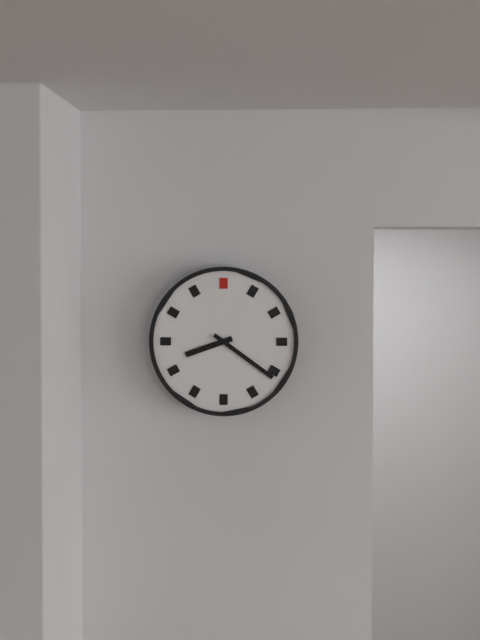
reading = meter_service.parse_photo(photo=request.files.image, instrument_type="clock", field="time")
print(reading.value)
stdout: 8:21
